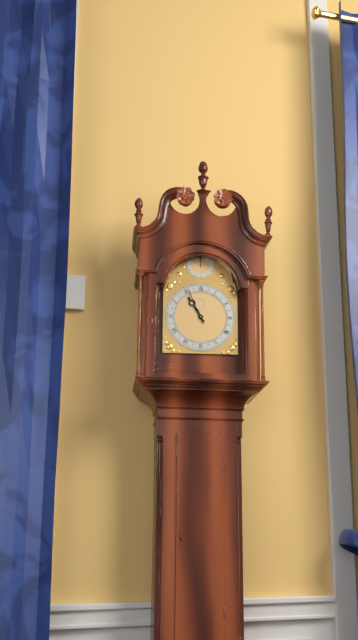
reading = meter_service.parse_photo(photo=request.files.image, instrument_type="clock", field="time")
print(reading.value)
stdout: 10:56
